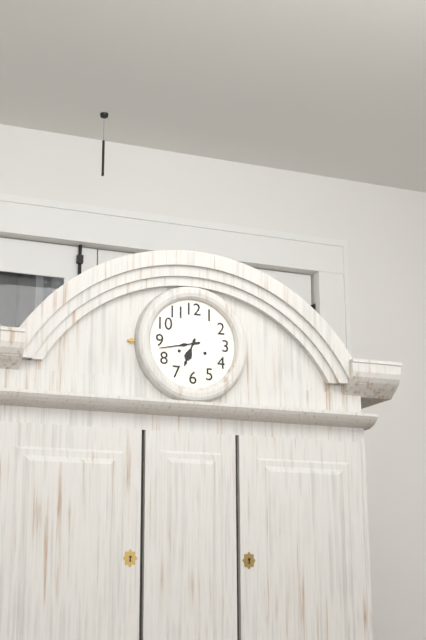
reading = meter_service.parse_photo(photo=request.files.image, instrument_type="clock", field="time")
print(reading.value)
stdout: 6:43
